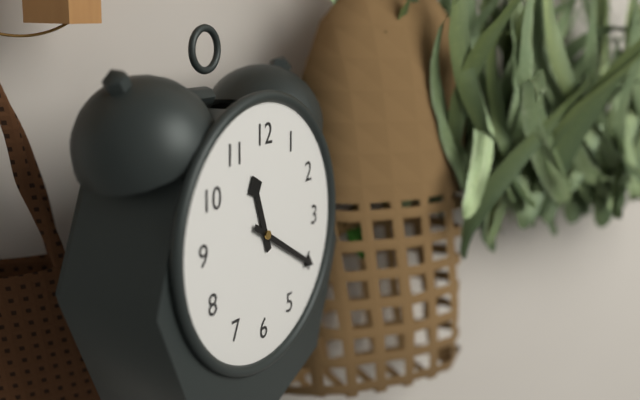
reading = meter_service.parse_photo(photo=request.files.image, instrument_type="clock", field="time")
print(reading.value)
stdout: 11:20
